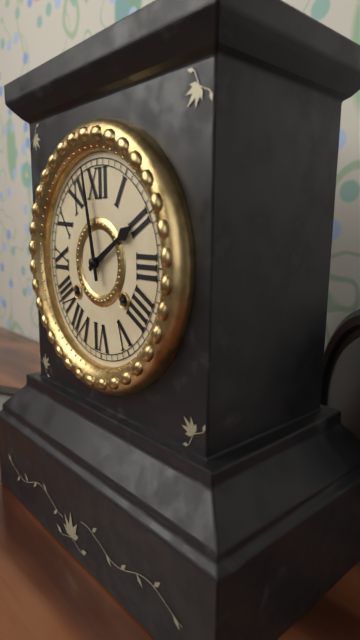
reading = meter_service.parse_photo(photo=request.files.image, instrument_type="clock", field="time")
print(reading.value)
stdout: 1:58
